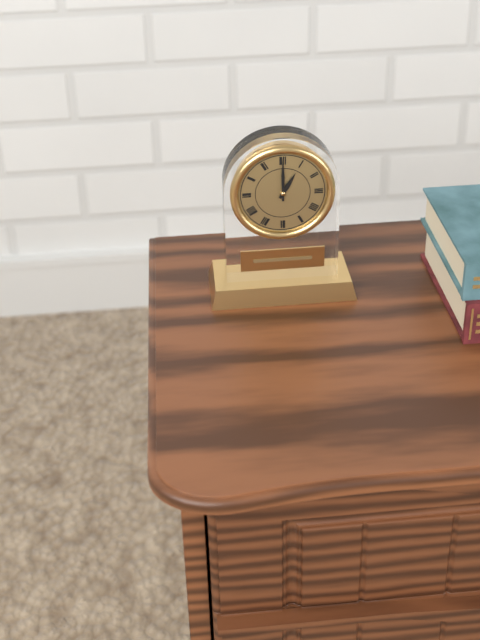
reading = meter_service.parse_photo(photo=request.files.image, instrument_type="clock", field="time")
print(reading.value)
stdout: 1:00
